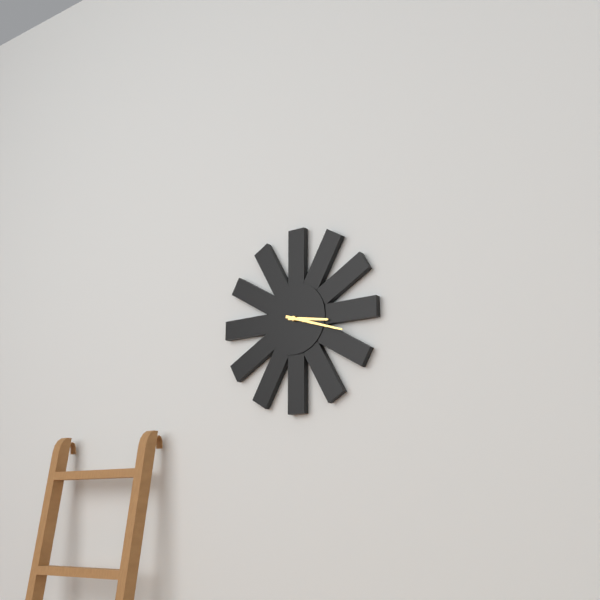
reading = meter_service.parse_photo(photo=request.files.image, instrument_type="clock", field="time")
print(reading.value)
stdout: 3:18
